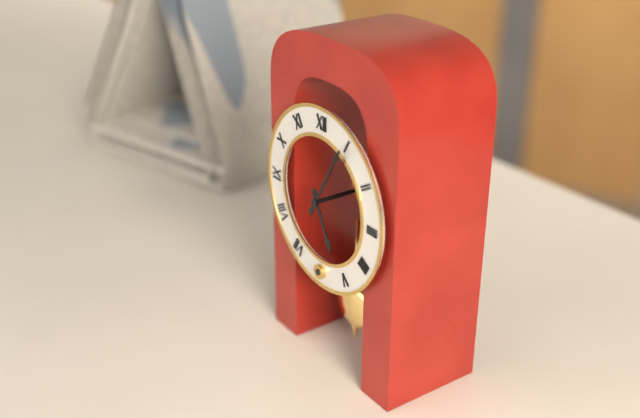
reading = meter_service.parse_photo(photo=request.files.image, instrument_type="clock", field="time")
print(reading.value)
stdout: 5:05
